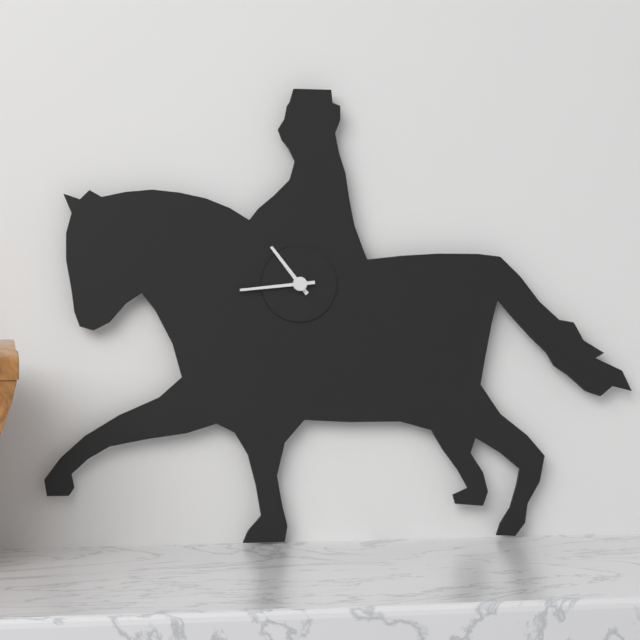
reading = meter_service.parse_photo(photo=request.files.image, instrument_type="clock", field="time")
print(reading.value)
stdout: 10:44
